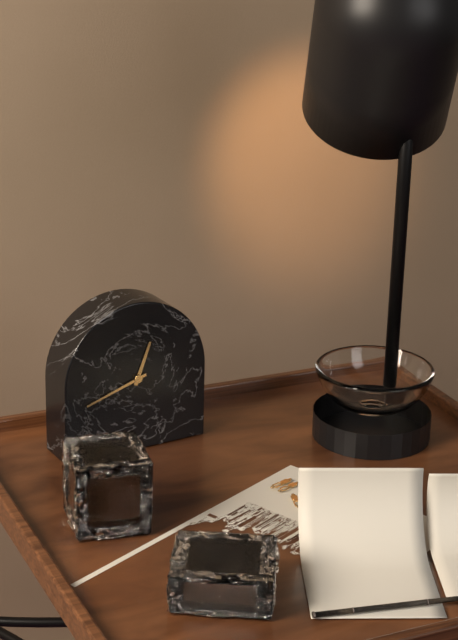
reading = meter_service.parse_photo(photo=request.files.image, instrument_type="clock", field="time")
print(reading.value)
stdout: 12:42
